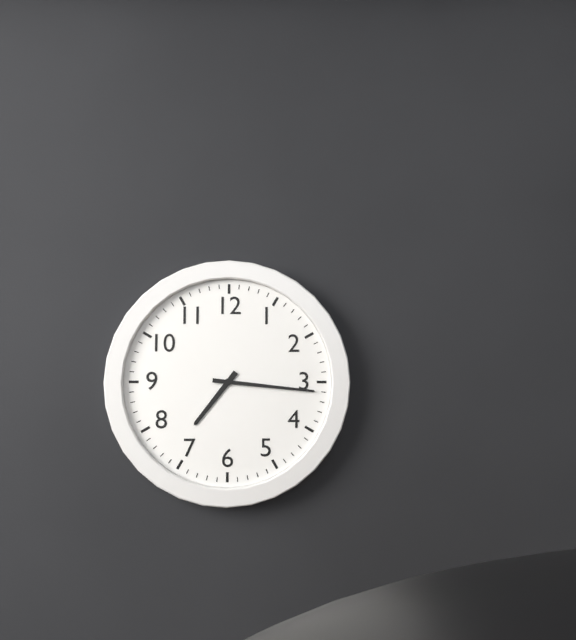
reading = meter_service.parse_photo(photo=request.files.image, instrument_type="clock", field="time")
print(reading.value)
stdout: 7:16
